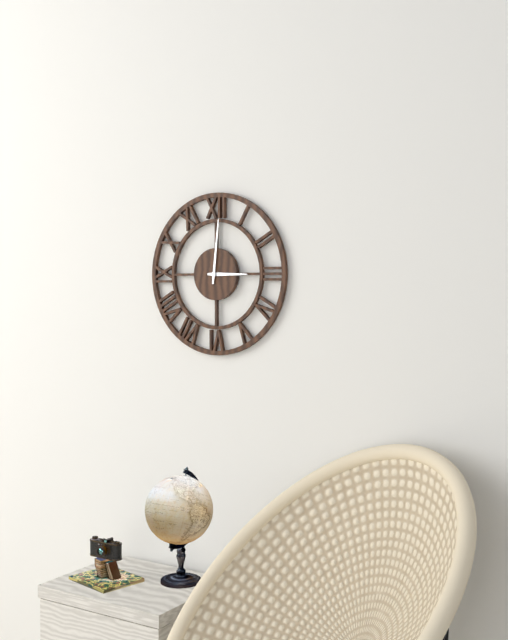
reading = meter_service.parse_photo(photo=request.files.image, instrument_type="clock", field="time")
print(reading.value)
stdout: 3:01
